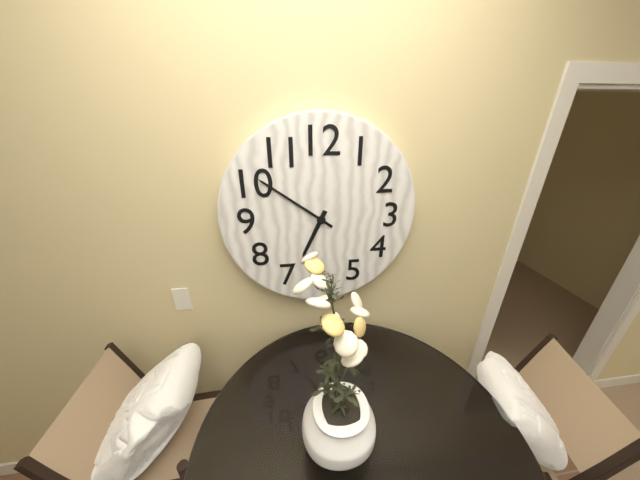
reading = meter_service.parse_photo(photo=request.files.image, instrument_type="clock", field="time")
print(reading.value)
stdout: 6:51
